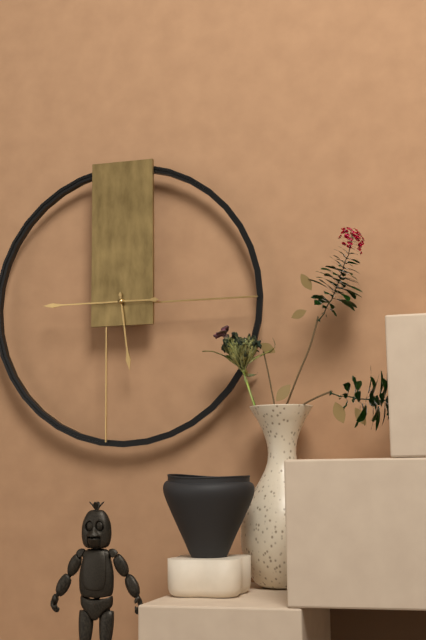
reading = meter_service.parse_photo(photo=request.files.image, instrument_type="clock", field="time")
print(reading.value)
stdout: 5:45
